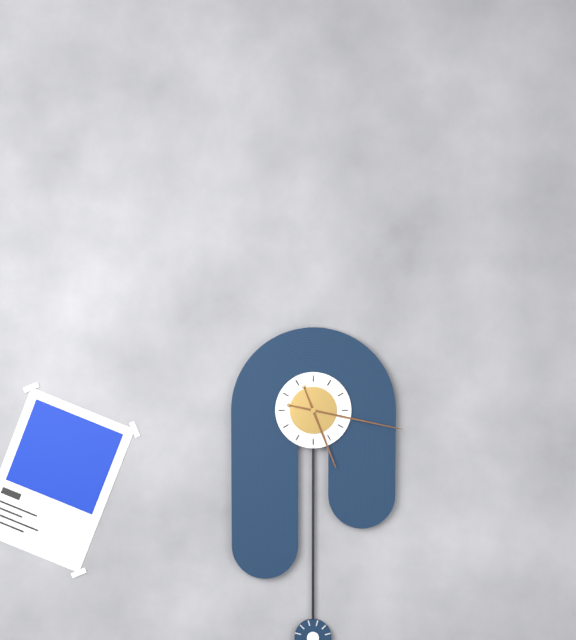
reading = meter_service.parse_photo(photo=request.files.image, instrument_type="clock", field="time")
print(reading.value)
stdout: 5:17
